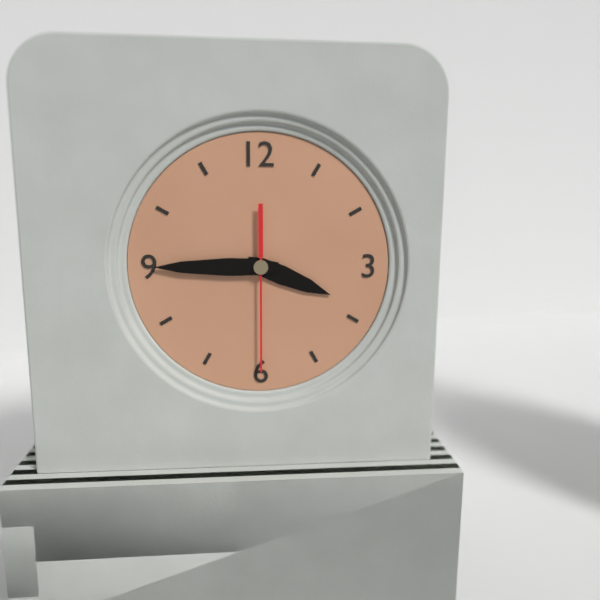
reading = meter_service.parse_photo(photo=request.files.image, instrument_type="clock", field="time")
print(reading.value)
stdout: 3:45:30
